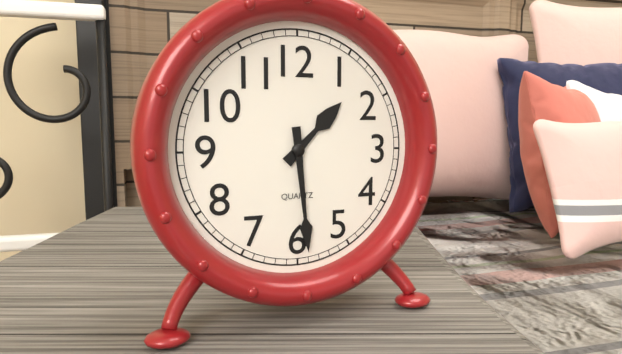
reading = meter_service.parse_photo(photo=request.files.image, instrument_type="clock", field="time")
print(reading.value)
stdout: 1:29
